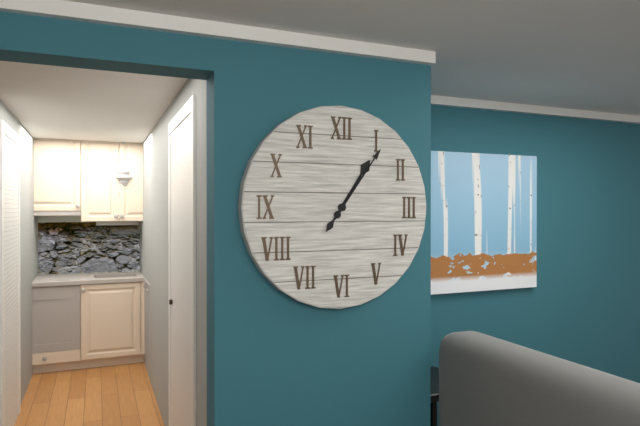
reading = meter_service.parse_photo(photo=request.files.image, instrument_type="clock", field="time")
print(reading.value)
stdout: 1:06
